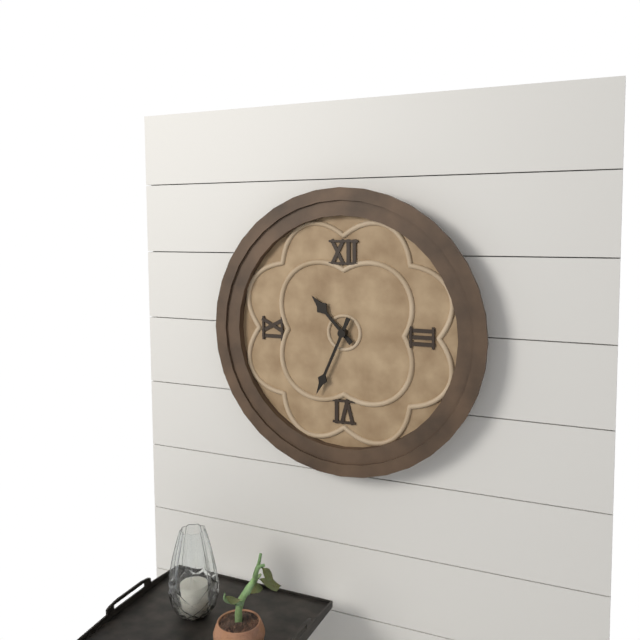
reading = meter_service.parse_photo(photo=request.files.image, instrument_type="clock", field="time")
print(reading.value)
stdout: 10:34
